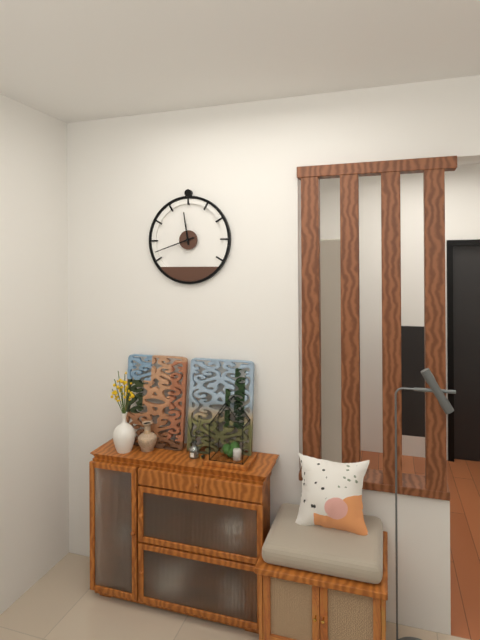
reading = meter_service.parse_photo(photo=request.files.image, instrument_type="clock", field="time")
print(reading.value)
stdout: 11:42
